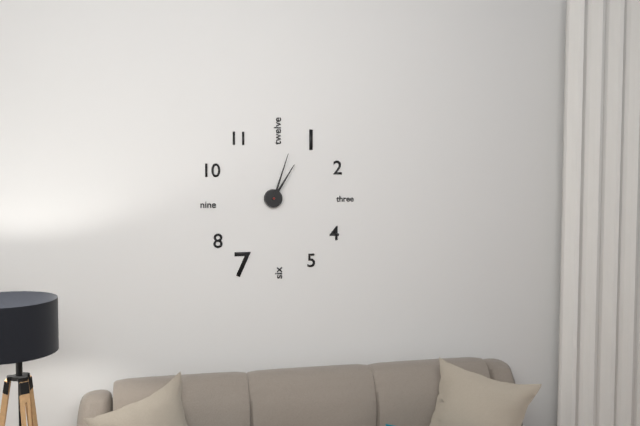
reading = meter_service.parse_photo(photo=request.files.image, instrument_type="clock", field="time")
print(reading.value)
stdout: 1:03
